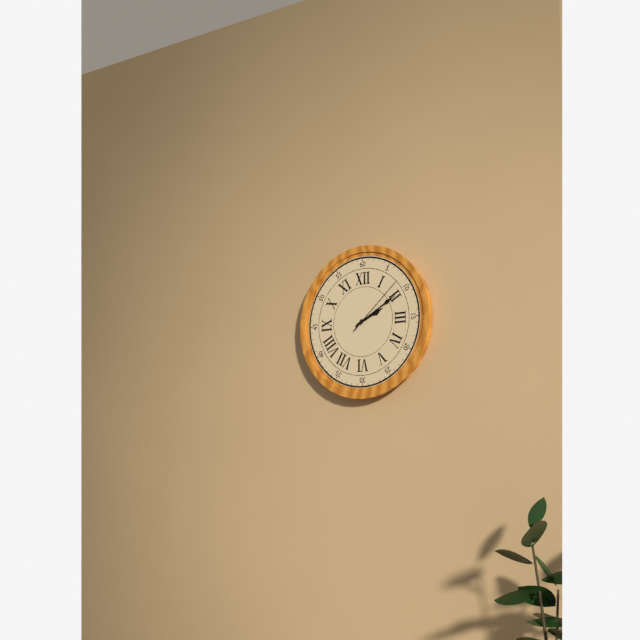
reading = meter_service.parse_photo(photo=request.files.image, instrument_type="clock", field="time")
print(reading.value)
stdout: 2:10:08
